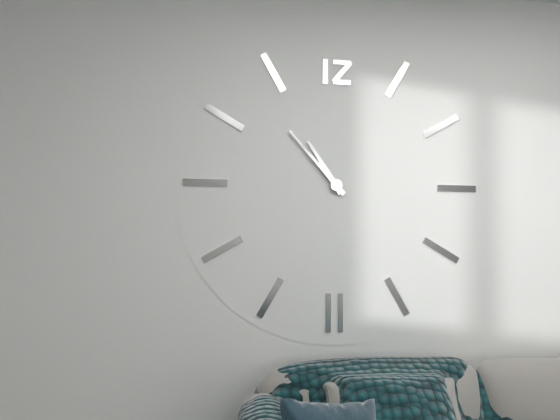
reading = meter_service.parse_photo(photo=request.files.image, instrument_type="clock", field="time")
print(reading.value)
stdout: 10:53
